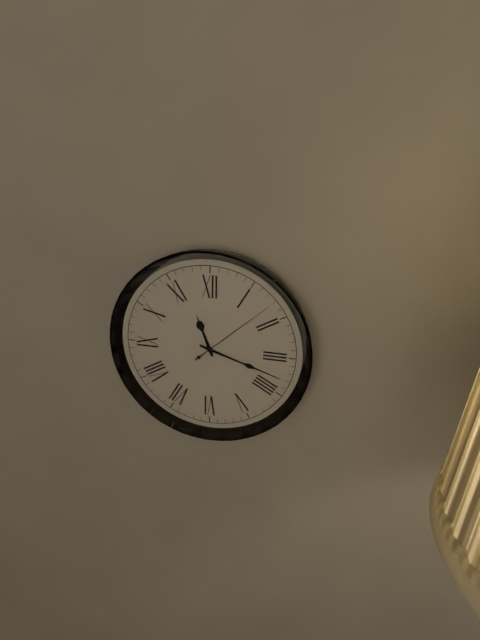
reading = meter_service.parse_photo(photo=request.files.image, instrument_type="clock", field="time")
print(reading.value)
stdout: 11:18:08
